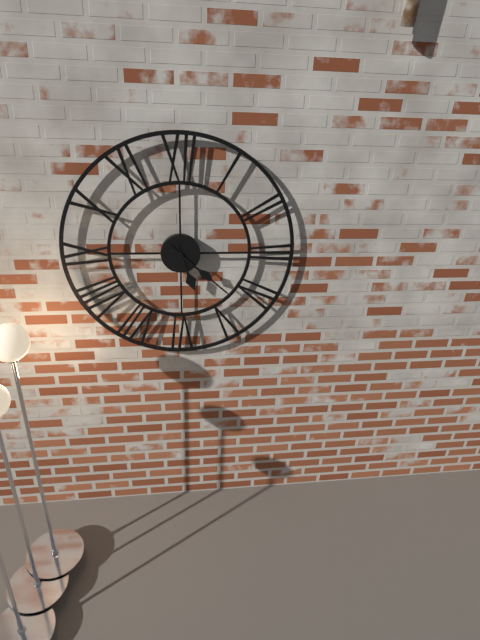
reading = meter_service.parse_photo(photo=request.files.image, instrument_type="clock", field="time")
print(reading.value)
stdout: 5:22
